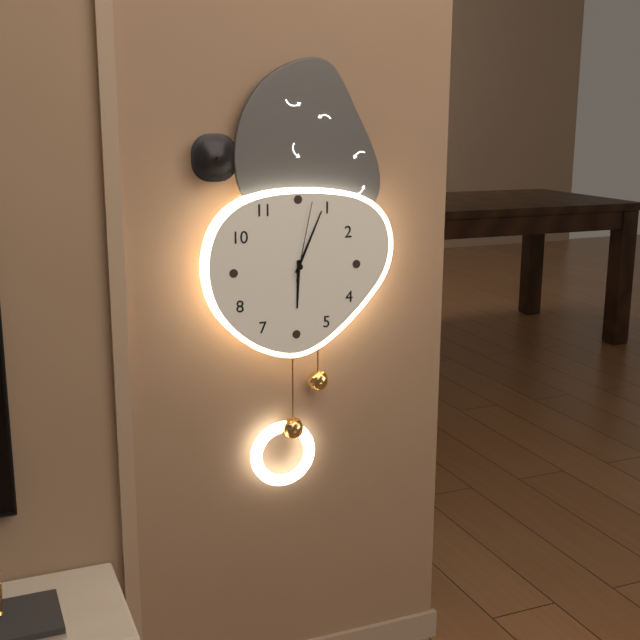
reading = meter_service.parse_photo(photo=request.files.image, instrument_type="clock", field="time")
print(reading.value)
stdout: 6:04:02
